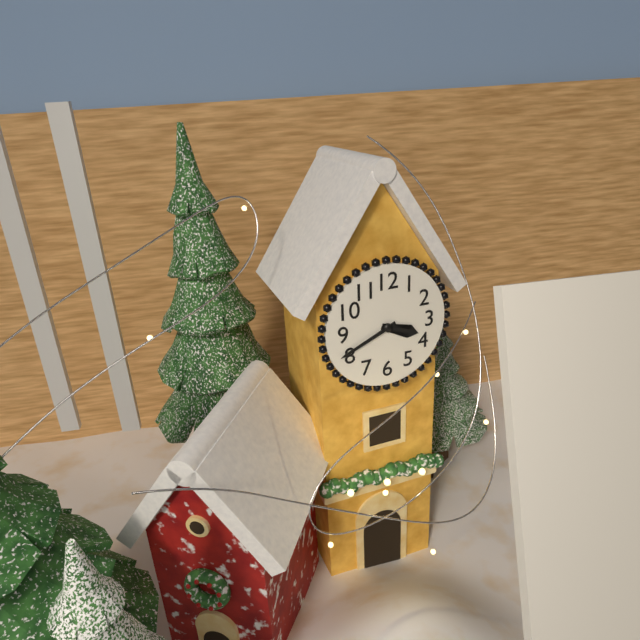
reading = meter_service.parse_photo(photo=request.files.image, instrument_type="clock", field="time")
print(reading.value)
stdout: 3:41
